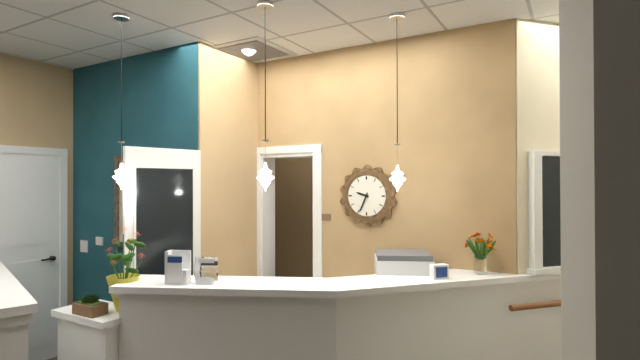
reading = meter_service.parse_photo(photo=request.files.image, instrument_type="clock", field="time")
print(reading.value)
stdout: 9:34
